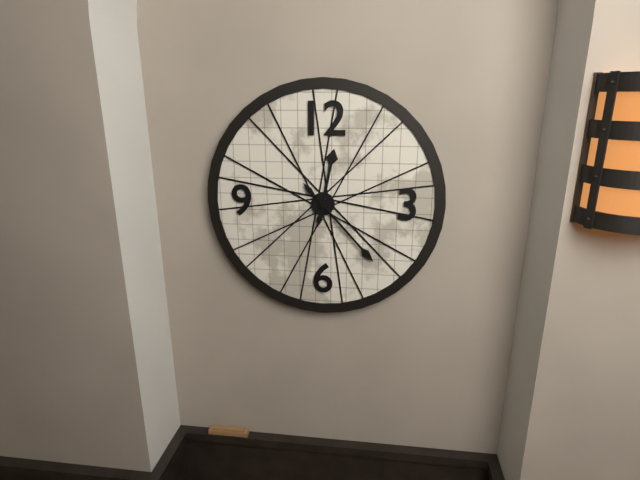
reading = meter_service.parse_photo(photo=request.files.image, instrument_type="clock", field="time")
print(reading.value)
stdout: 12:23
